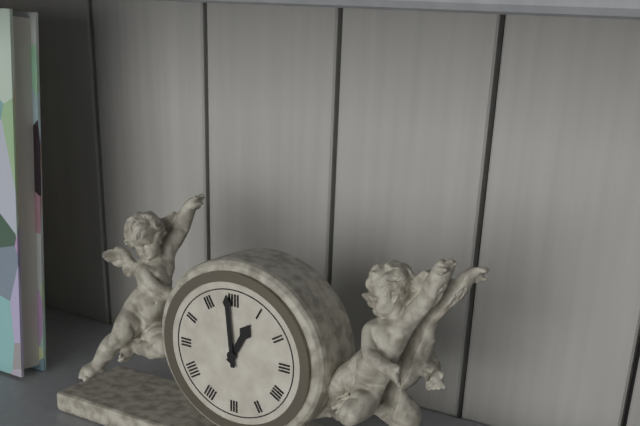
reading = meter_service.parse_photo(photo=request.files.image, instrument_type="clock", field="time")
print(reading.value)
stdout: 12:59
